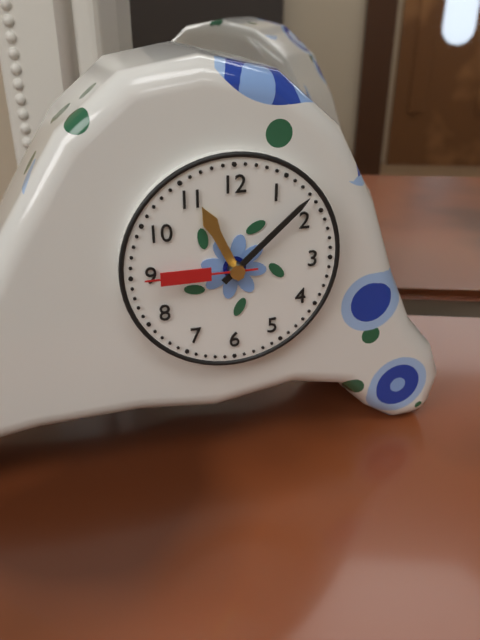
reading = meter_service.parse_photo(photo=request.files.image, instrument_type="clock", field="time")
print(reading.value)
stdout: 11:08:45
